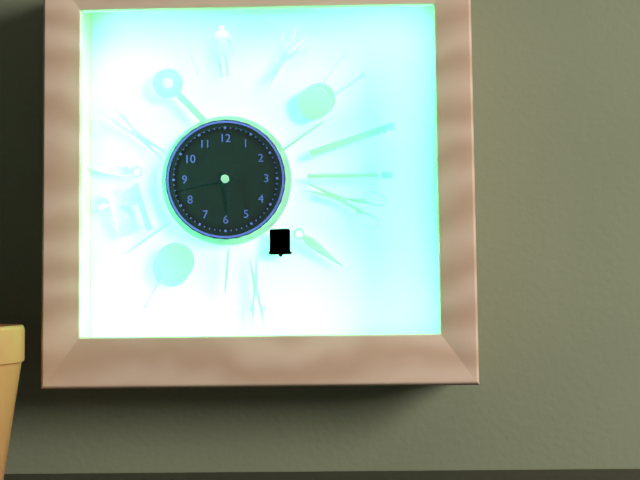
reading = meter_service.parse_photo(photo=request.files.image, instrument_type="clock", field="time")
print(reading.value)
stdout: 5:43
